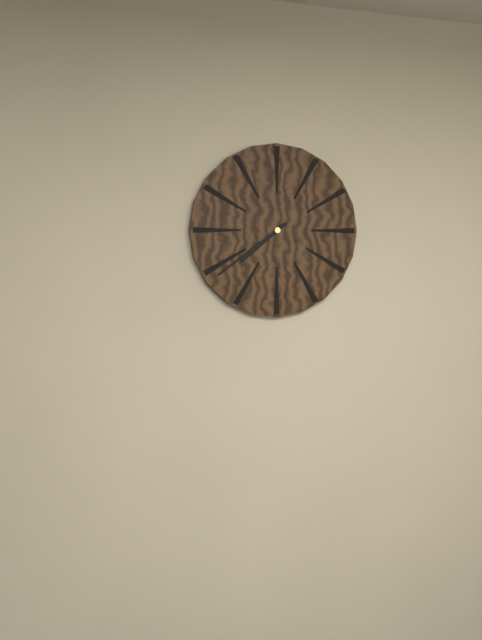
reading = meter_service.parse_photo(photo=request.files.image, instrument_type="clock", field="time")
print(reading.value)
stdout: 7:39
